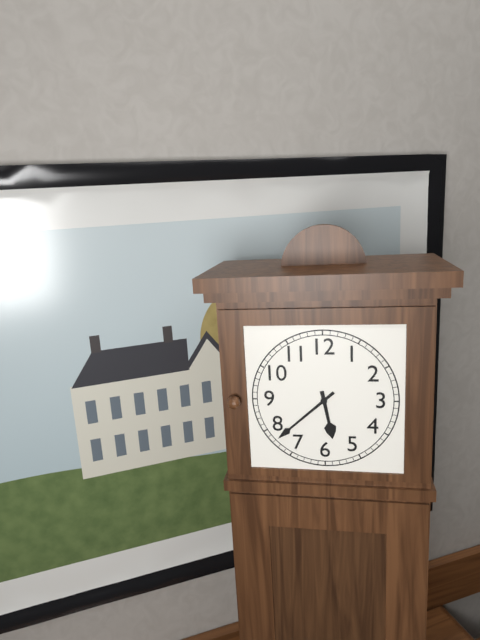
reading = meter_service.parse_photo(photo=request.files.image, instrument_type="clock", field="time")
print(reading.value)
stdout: 5:38
